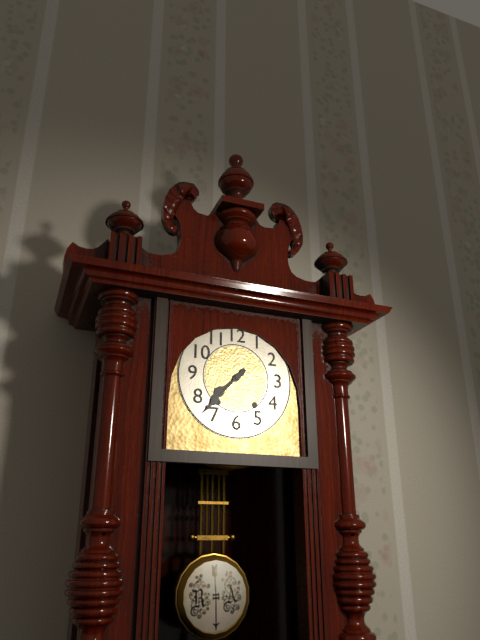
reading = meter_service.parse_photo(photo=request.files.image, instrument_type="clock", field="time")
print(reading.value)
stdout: 7:37
